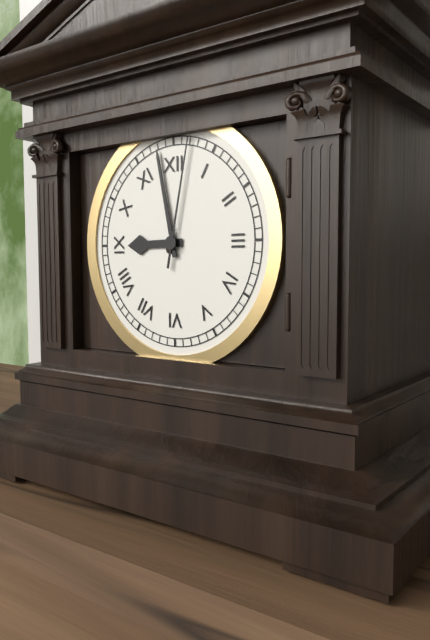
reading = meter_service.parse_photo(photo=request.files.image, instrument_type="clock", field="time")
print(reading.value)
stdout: 8:58:02
